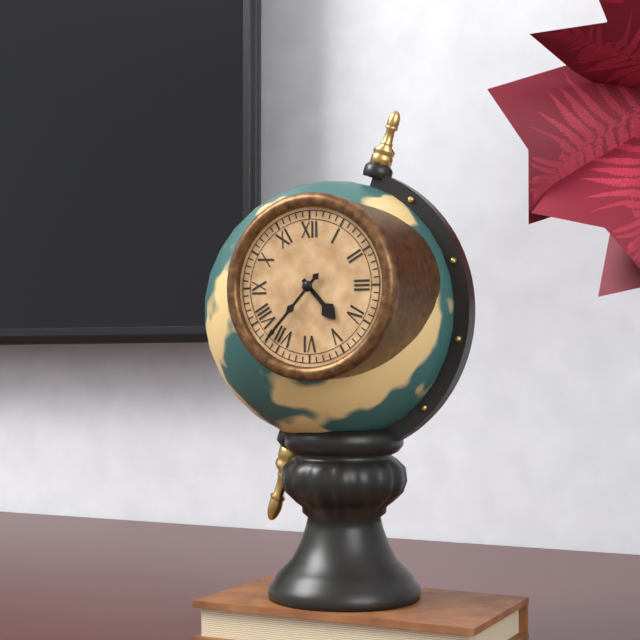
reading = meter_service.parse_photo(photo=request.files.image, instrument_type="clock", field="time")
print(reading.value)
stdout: 4:37
